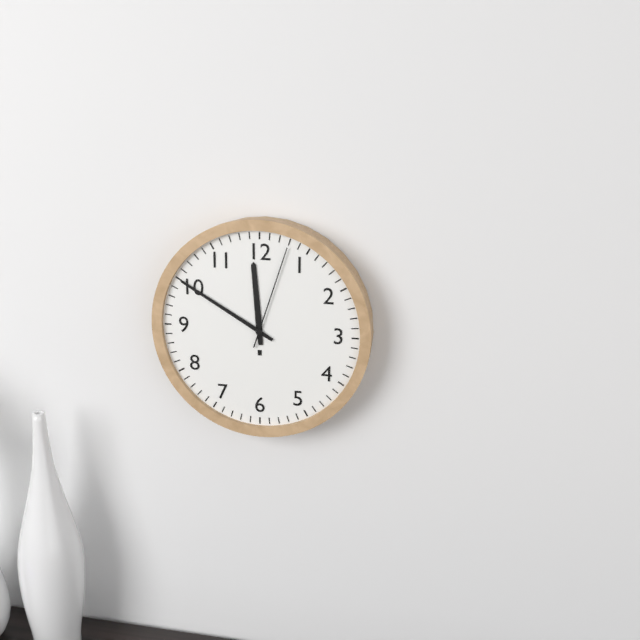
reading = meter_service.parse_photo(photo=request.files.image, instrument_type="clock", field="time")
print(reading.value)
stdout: 11:50:03
